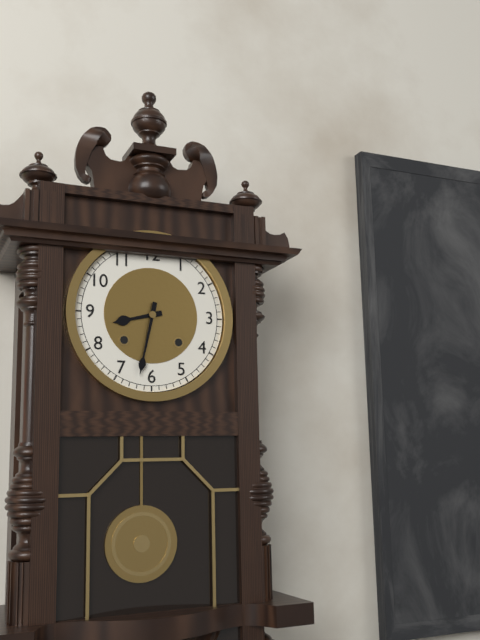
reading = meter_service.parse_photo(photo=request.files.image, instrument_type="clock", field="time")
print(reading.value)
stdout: 8:32
